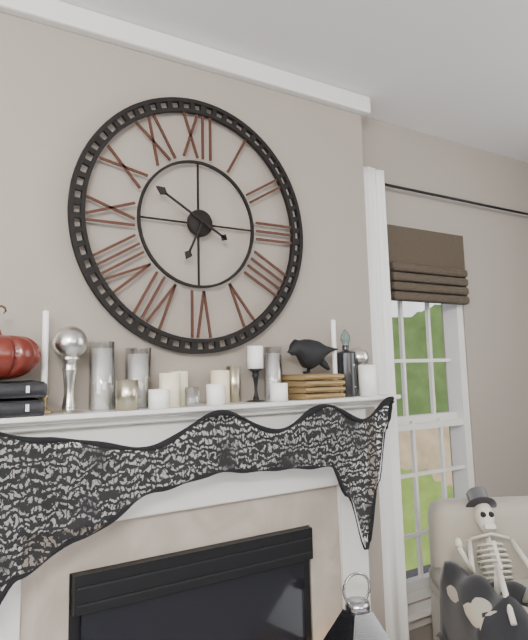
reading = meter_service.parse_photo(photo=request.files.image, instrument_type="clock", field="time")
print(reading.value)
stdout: 6:50
